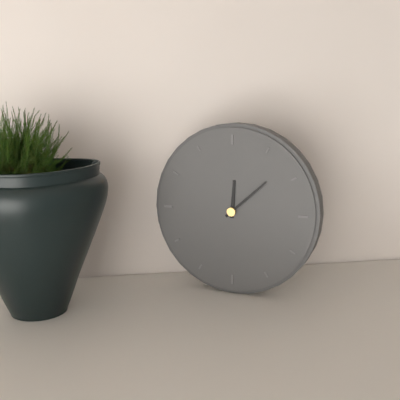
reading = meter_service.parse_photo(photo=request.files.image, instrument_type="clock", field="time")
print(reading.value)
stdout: 12:08
